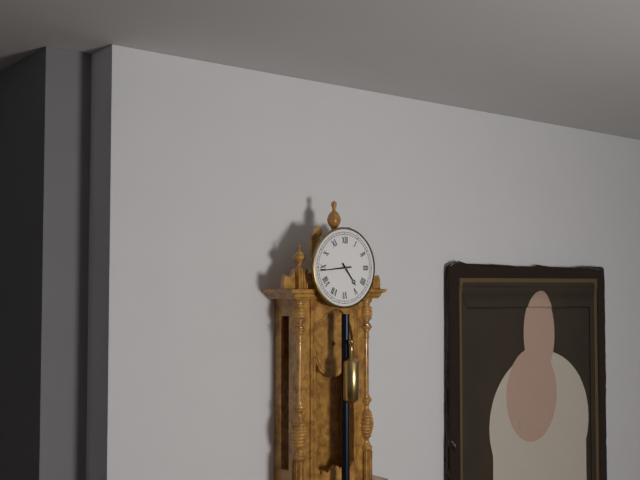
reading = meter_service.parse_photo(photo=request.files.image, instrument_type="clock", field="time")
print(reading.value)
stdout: 4:44
